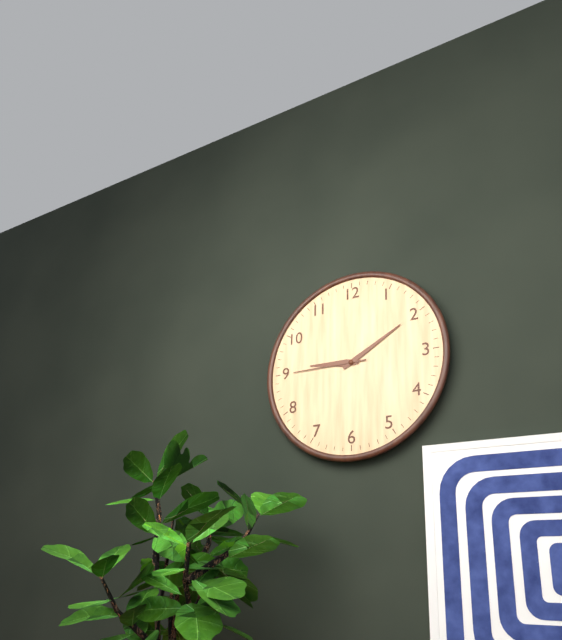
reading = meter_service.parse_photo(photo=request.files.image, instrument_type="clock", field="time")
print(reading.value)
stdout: 9:10:45
